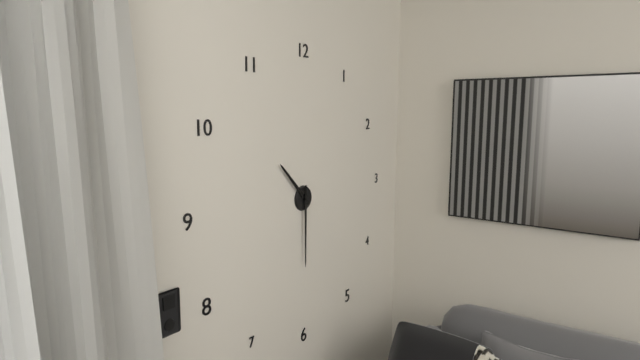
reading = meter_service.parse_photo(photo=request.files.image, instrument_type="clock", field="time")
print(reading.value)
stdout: 10:30
